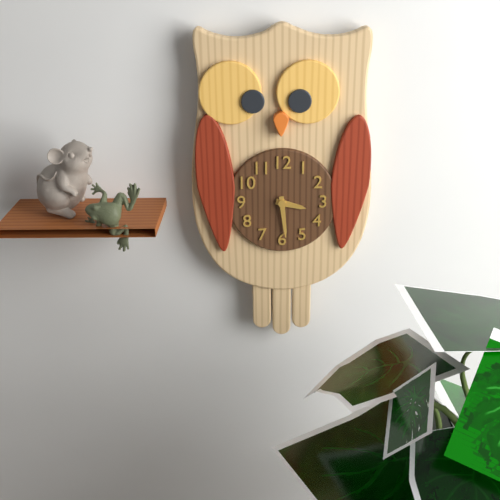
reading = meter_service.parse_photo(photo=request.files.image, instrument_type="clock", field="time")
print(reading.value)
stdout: 3:29
